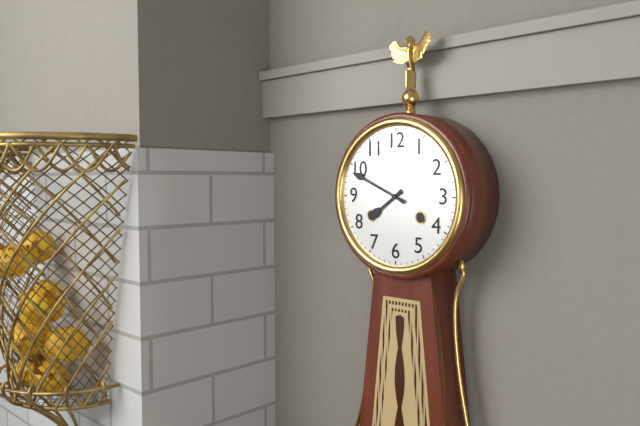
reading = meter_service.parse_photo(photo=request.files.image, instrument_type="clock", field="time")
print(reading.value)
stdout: 7:49
